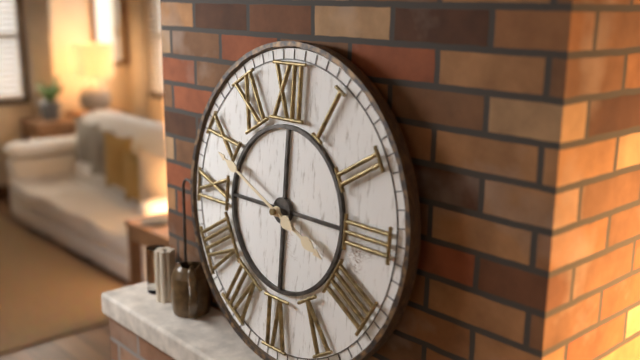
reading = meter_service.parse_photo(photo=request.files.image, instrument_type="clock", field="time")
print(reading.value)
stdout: 3:49
